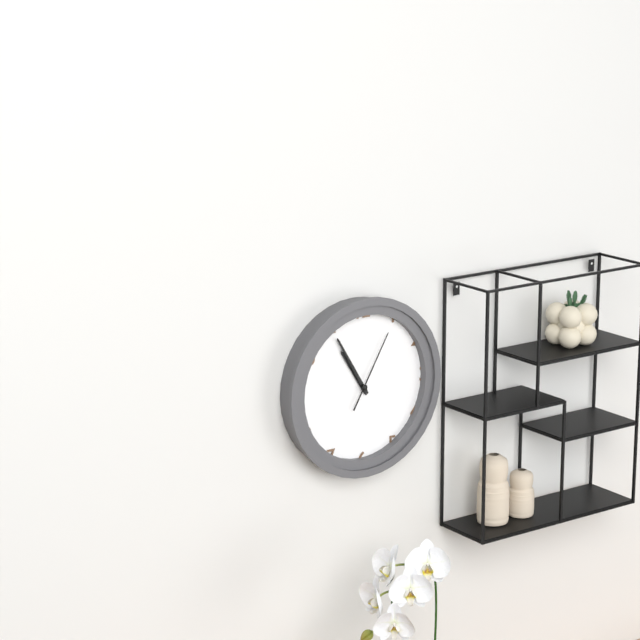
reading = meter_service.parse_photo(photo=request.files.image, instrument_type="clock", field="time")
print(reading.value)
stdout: 10:55:05
